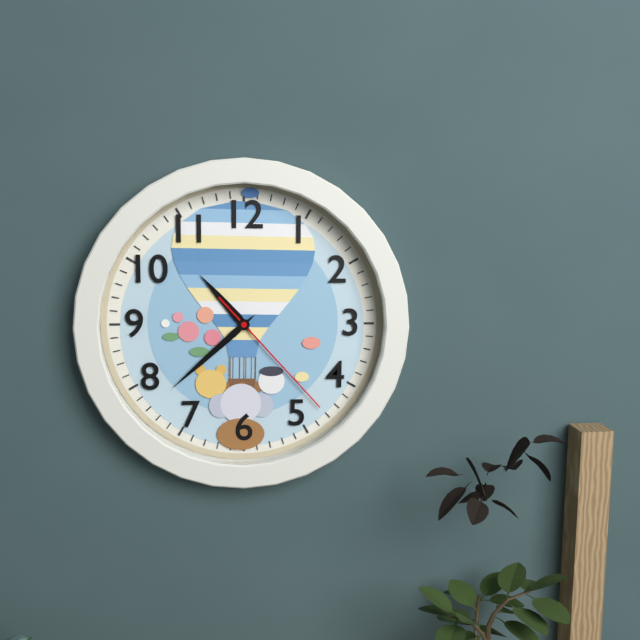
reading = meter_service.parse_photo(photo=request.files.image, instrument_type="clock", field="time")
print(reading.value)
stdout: 10:38:23
